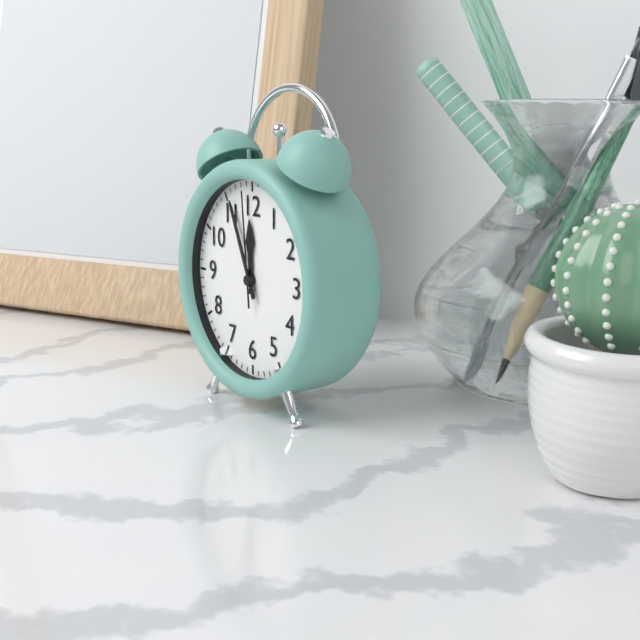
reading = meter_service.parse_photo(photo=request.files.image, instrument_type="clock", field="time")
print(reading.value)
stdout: 11:56:59
